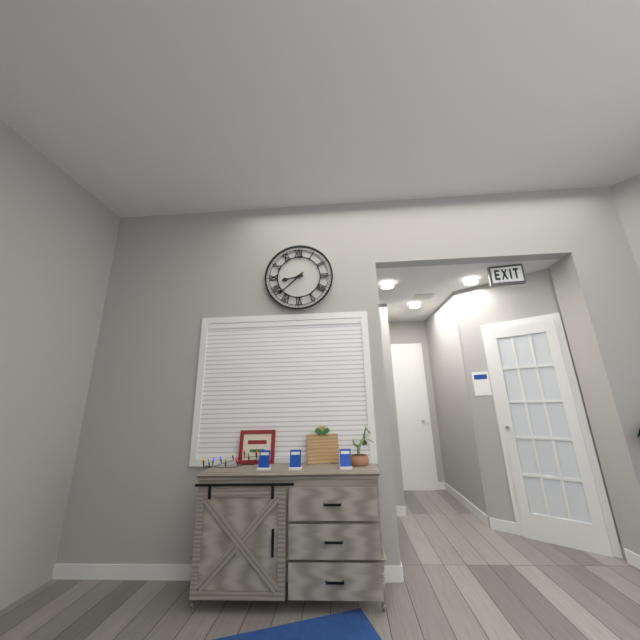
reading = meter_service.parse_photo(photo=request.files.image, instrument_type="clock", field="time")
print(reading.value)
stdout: 8:38
